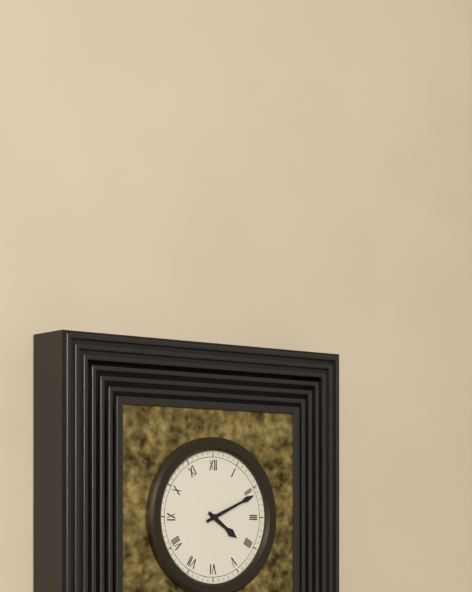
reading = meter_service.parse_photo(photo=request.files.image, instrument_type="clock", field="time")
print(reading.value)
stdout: 4:11
